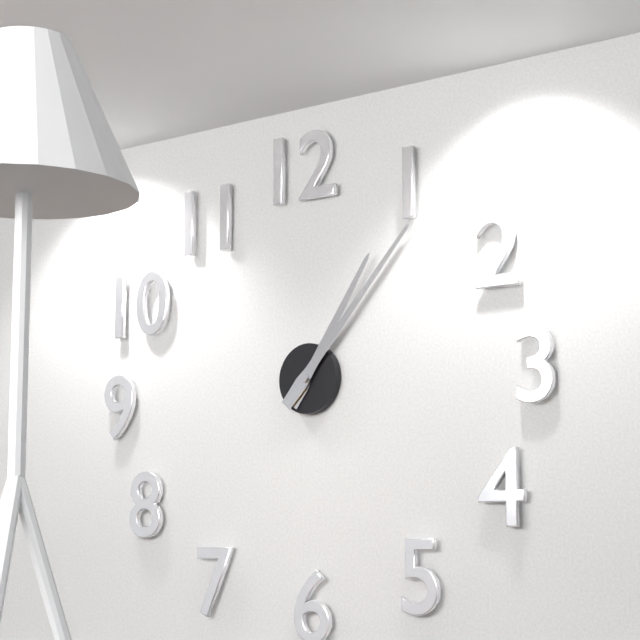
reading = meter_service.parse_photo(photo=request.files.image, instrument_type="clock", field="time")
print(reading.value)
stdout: 1:07
